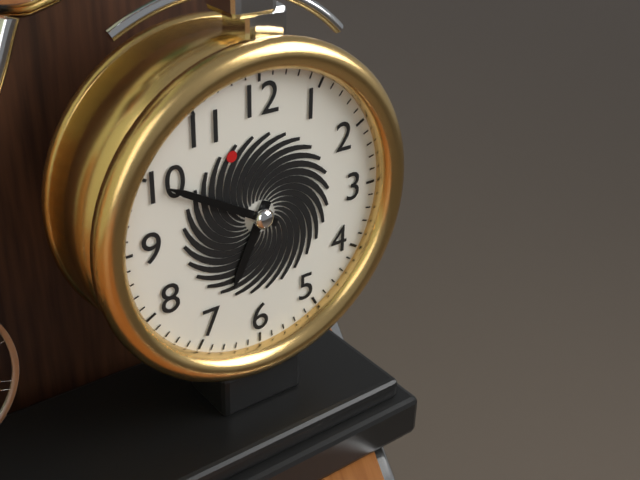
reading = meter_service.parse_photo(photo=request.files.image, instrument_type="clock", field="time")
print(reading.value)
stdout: 6:50
